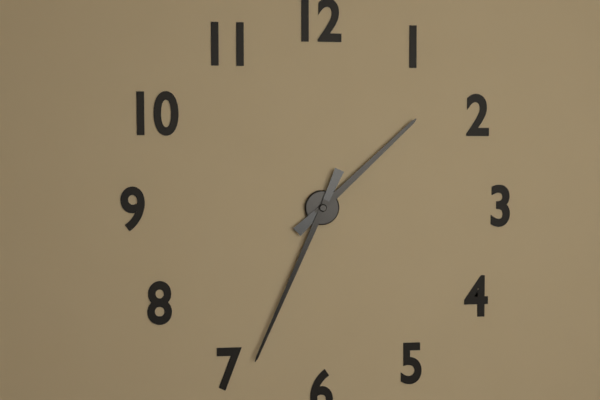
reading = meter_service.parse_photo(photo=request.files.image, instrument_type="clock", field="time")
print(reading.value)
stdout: 1:34
